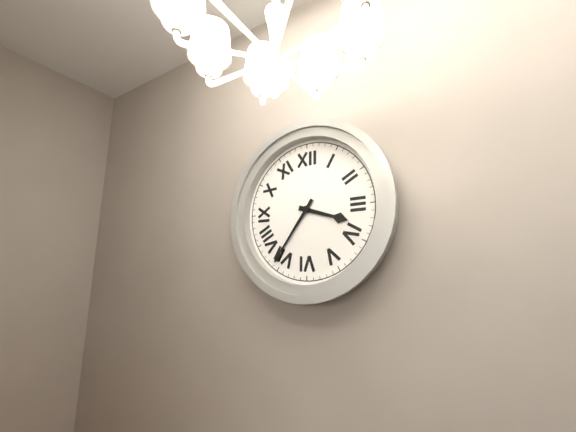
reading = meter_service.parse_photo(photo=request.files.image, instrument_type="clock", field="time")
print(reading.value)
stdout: 3:36
